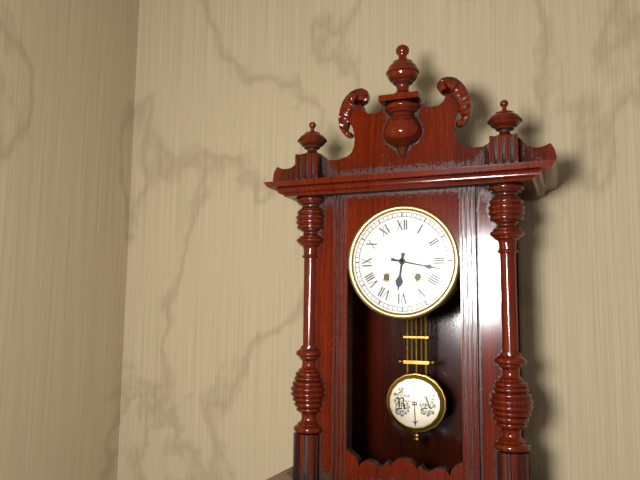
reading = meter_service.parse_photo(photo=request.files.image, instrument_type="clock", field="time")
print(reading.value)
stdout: 6:17
